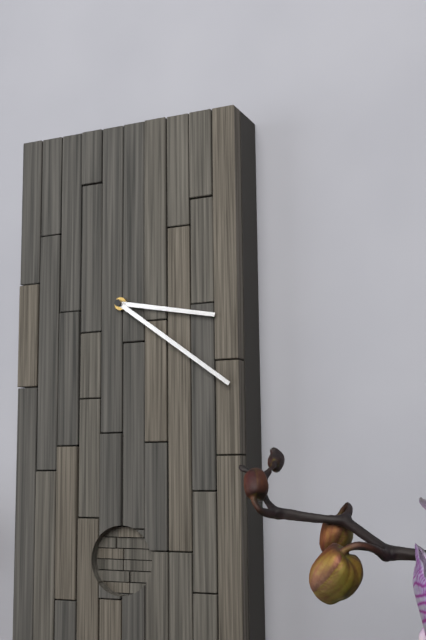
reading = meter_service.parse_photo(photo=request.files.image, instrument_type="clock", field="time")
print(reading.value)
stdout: 3:21
